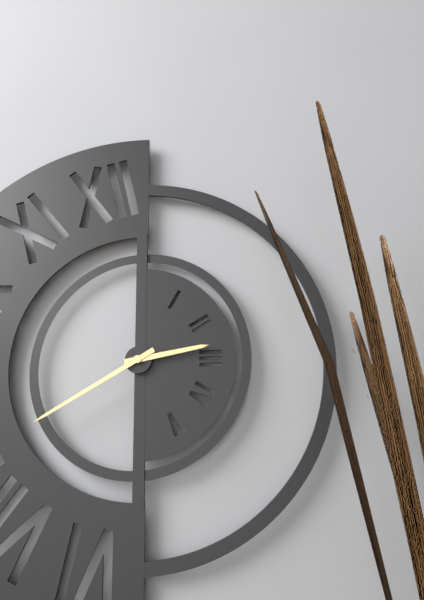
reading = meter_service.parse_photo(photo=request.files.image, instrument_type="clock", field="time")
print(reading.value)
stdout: 2:40
